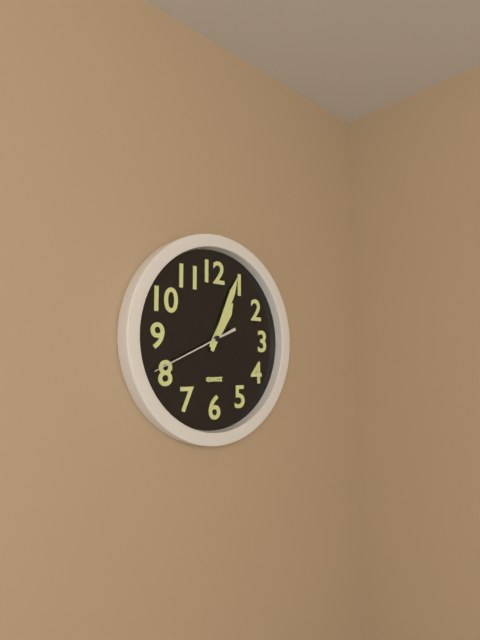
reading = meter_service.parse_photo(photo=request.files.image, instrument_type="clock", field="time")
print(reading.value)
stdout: 1:04:41
